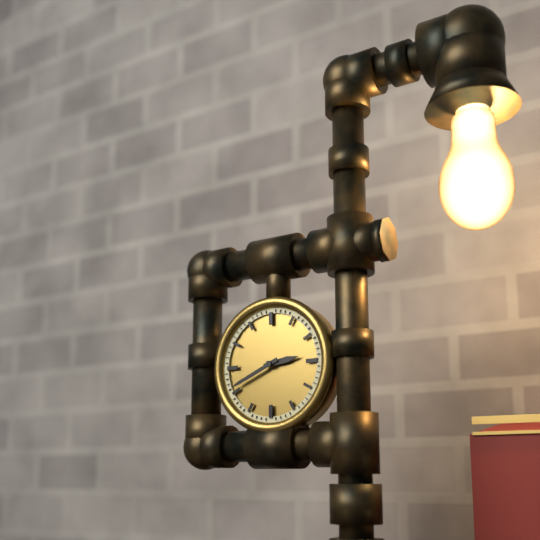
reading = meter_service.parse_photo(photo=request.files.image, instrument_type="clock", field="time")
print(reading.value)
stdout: 2:41
